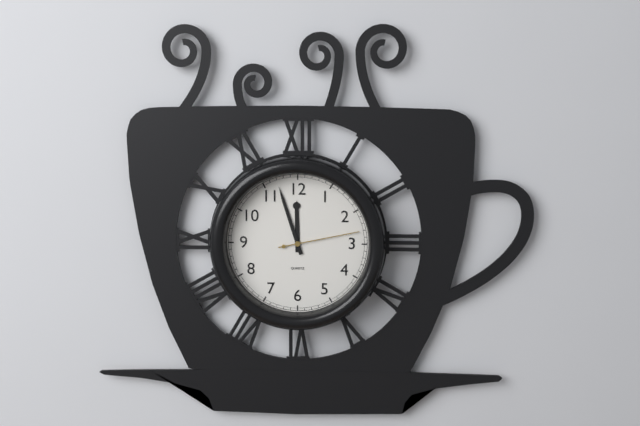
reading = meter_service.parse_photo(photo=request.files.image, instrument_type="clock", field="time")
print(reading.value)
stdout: 11:57:13
